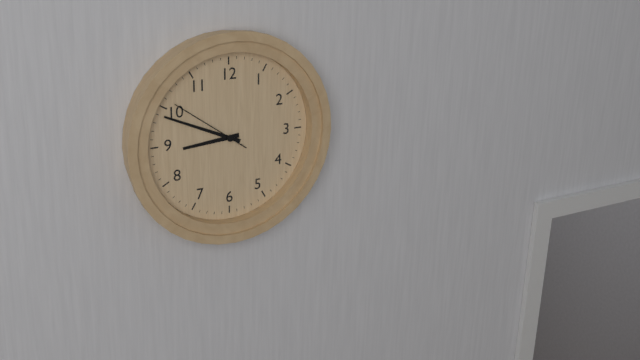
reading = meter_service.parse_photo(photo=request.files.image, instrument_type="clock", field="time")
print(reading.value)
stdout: 8:49:51
